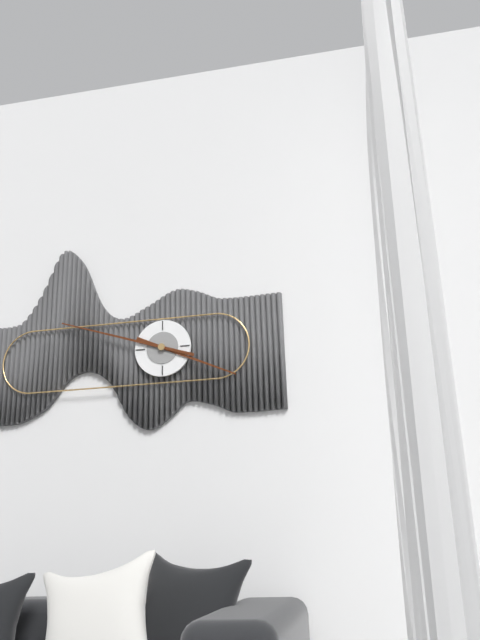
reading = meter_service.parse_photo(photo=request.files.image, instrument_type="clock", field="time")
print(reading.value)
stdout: 3:48
